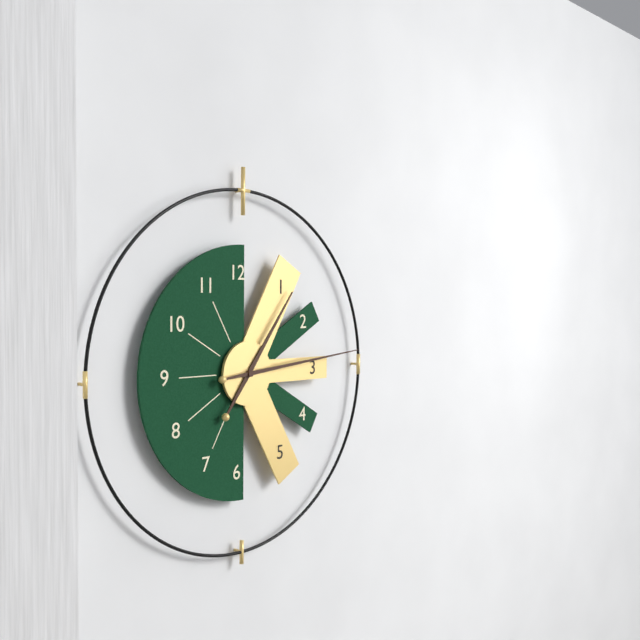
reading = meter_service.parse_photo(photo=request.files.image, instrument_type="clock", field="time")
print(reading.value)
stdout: 1:14
